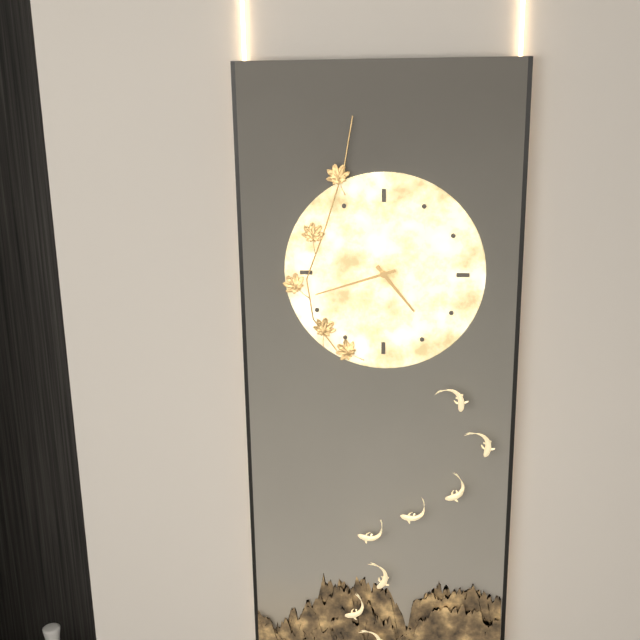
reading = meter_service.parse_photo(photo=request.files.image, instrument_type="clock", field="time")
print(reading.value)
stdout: 4:42
